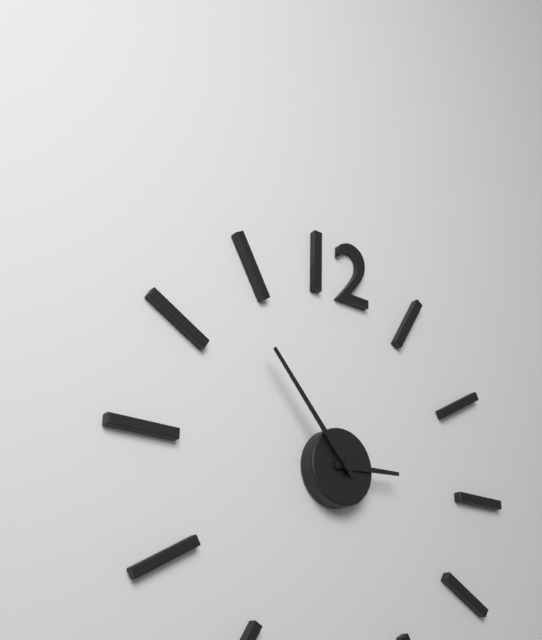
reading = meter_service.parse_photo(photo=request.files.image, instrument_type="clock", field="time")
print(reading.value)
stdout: 2:53
